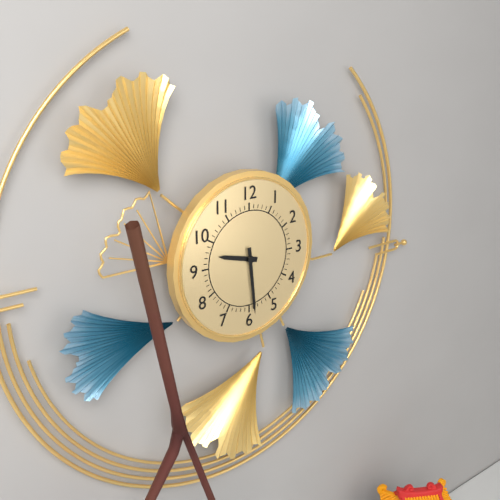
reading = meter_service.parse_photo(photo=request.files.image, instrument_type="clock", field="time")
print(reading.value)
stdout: 9:29
